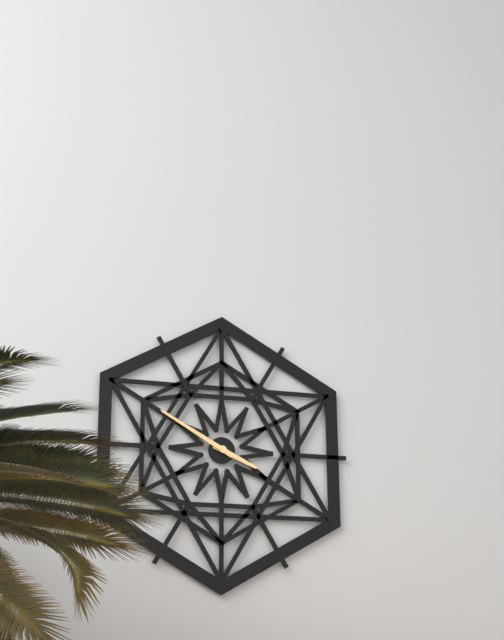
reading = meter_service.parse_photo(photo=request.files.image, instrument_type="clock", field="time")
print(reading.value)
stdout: 3:50
